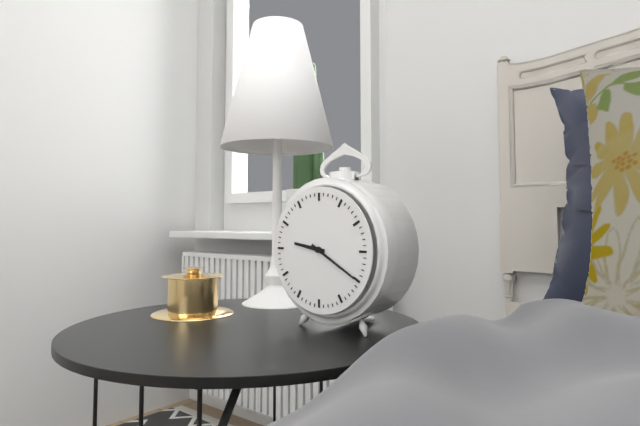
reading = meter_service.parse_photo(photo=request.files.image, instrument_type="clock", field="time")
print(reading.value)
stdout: 9:20
